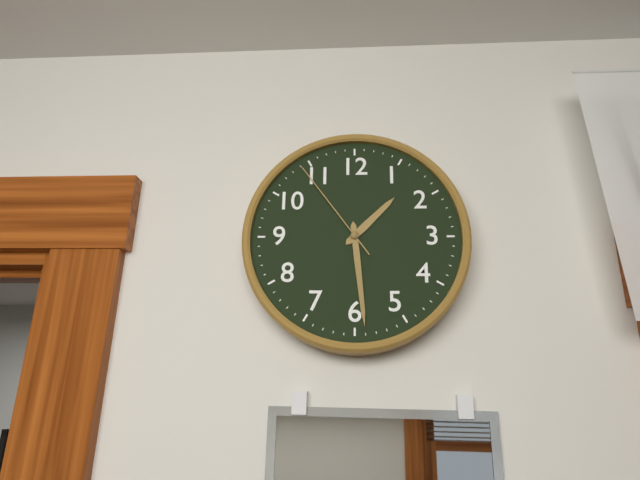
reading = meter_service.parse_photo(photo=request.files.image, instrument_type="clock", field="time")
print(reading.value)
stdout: 1:29:54
